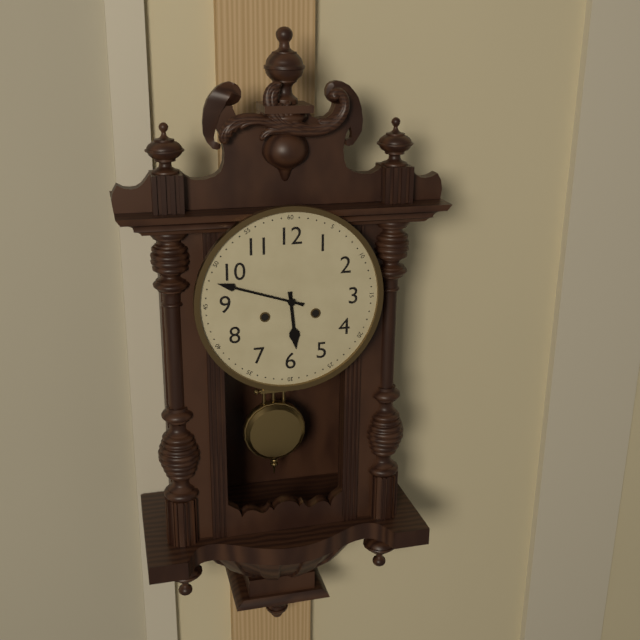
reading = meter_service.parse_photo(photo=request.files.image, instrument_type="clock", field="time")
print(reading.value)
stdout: 5:48
